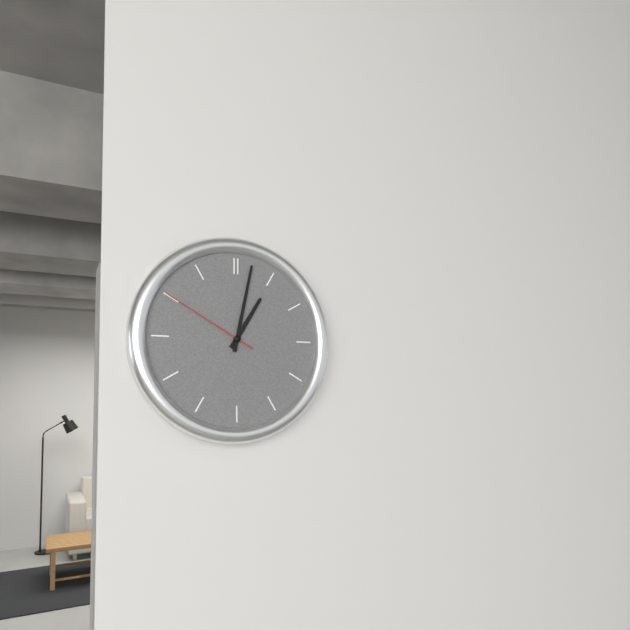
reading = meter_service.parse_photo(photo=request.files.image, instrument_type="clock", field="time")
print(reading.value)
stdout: 1:02:50
